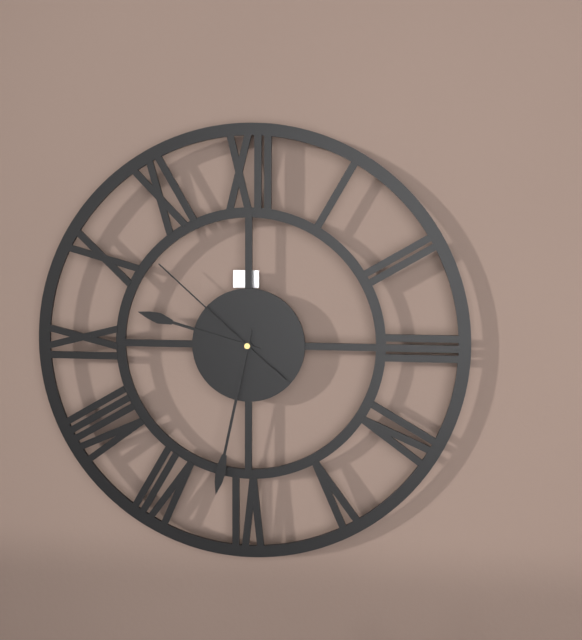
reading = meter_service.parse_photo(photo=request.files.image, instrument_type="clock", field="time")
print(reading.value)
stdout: 9:32:52
